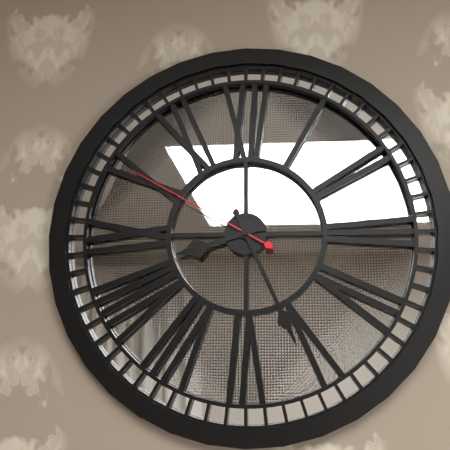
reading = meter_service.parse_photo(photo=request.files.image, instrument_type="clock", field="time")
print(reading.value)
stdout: 8:26:50
